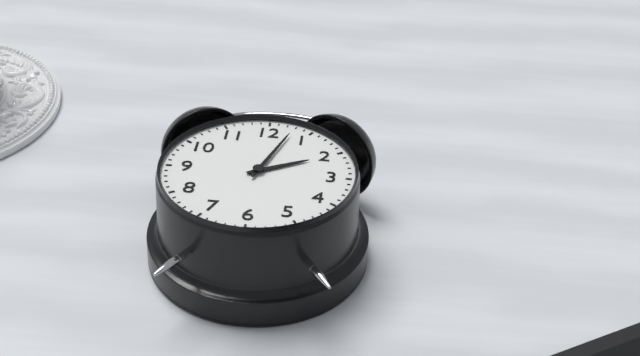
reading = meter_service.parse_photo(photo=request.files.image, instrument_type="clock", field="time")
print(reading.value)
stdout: 2:03
